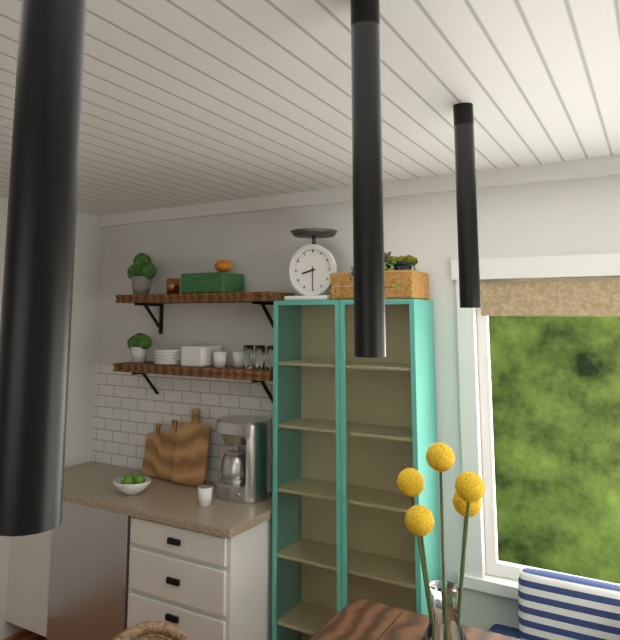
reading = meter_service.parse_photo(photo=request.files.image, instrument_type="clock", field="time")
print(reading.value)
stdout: 8:30
